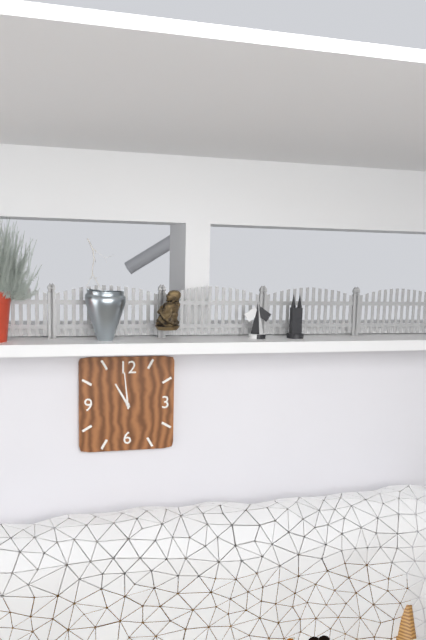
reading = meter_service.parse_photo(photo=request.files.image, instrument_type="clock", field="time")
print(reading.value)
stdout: 10:59
